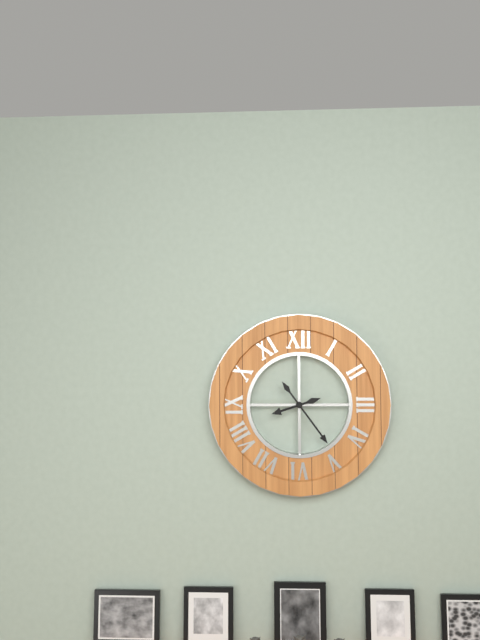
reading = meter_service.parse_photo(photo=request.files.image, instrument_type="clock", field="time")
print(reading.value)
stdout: 8:24
